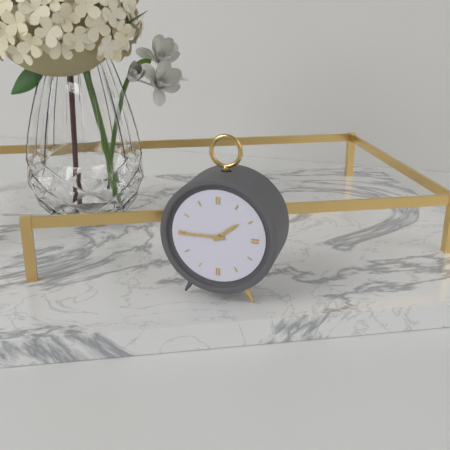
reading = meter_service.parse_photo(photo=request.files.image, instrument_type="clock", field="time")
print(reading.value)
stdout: 1:45
